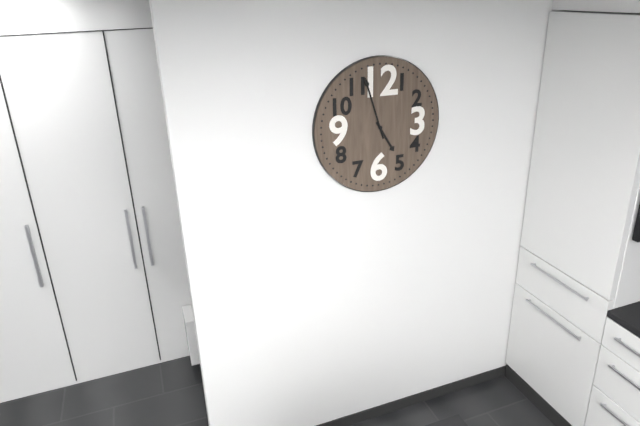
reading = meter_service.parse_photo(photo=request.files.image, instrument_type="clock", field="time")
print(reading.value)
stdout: 4:57
